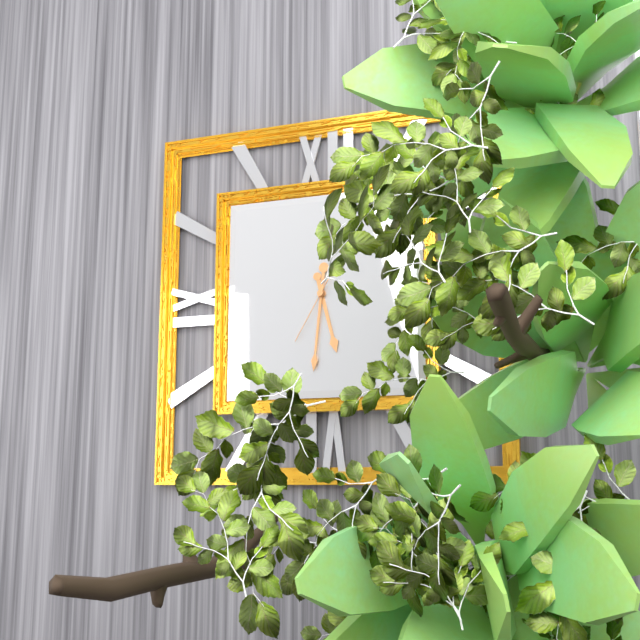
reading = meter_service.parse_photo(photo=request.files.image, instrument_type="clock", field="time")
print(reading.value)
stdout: 5:31:35
